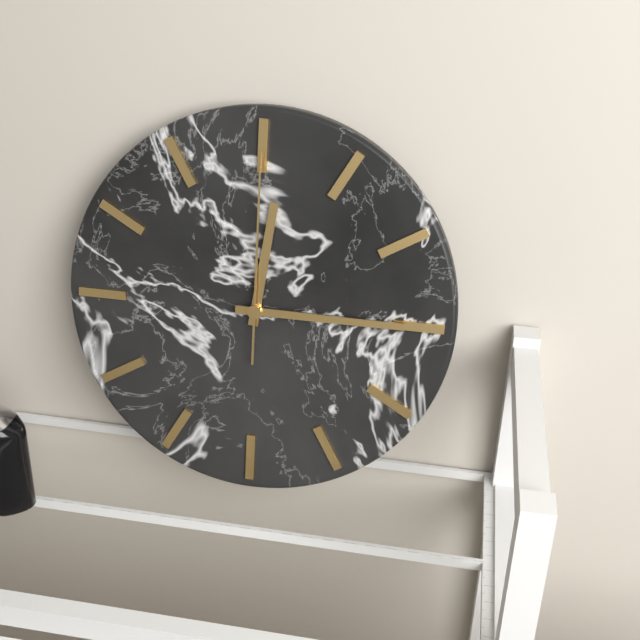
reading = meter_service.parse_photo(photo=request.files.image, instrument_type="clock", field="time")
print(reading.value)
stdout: 12:15:00
